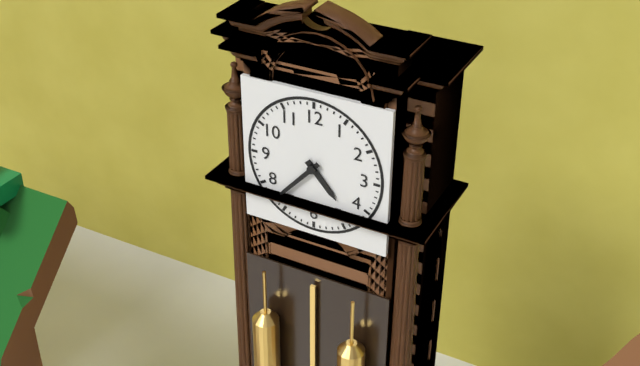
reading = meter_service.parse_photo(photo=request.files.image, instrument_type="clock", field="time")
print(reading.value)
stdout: 4:37
